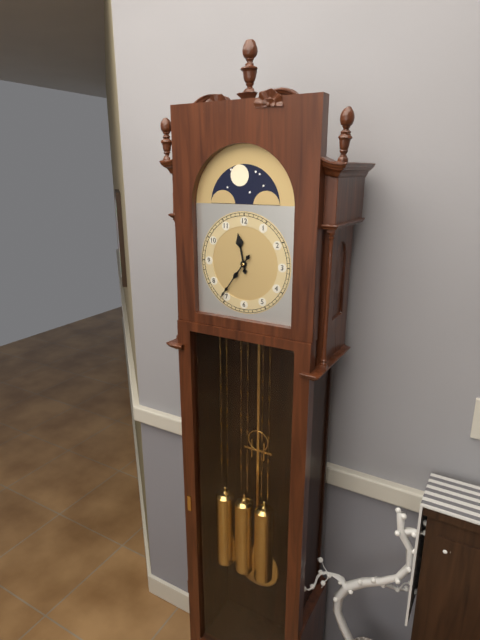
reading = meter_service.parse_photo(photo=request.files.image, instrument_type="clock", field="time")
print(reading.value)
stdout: 11:36
